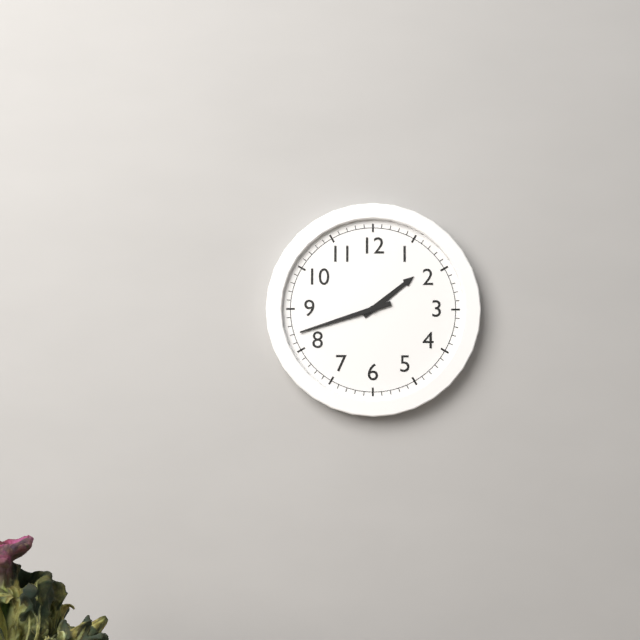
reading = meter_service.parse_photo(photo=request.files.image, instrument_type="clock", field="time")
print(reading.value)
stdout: 1:42
